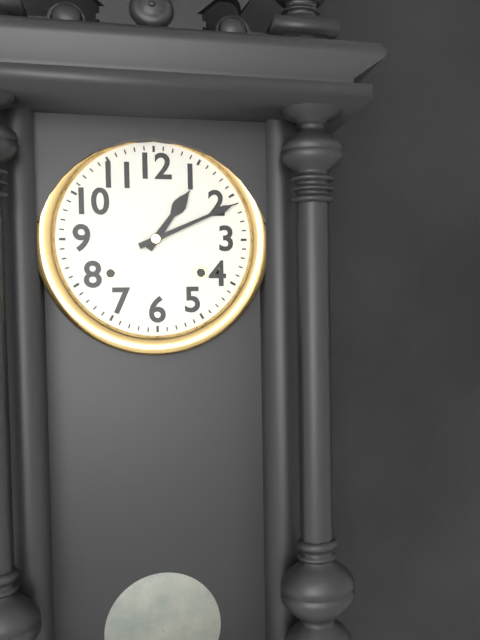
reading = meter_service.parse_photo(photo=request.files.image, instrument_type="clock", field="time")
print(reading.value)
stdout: 1:11
